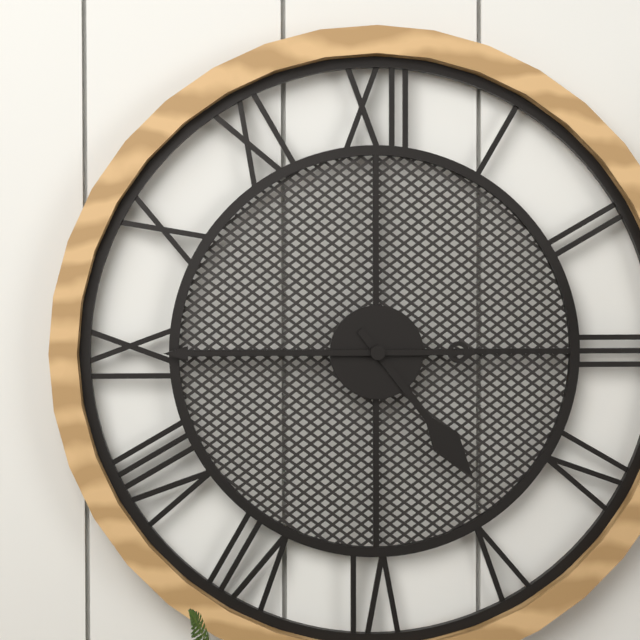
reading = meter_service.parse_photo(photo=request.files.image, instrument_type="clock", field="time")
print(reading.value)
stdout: 4:45
